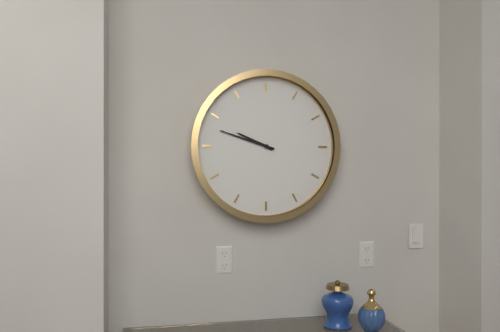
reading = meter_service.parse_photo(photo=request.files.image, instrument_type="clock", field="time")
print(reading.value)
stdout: 9:48
